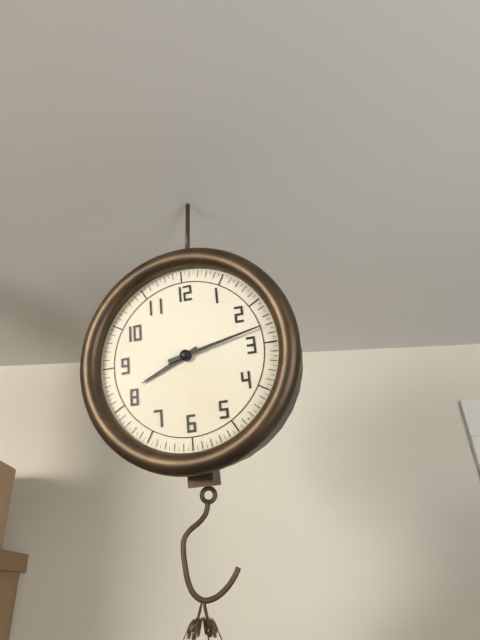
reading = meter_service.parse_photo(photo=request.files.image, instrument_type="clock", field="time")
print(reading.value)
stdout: 8:13
